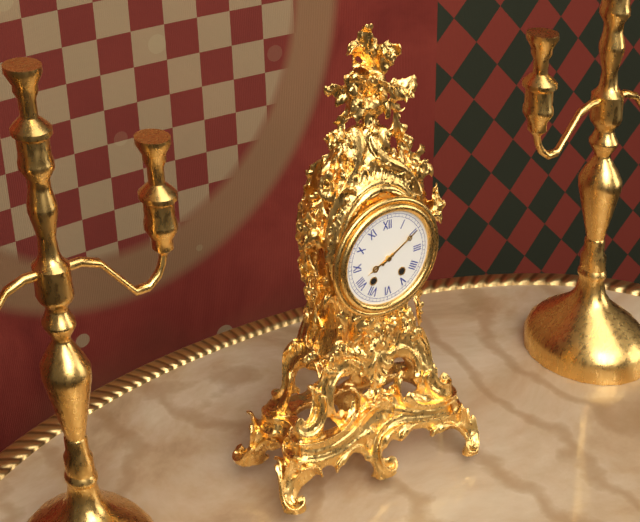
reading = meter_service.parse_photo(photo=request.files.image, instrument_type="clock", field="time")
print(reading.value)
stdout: 8:10
